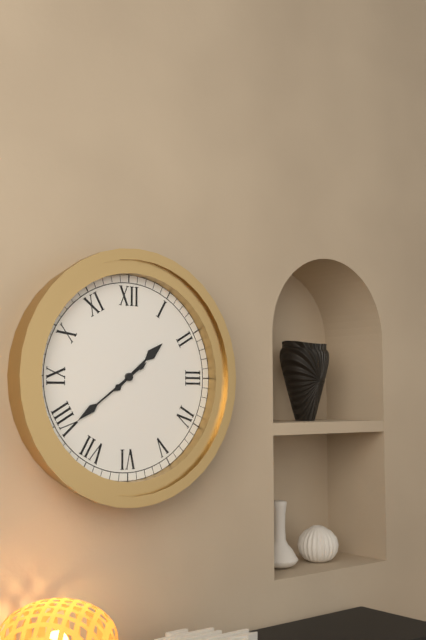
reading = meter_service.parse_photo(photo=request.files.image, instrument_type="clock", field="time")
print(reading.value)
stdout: 1:39:39
